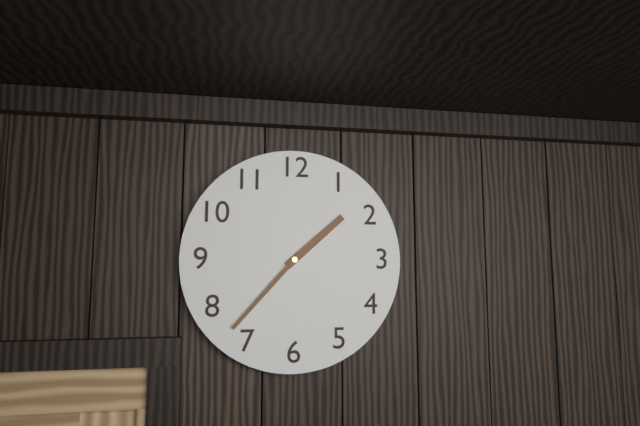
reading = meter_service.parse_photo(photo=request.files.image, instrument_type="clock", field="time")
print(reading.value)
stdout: 1:37
